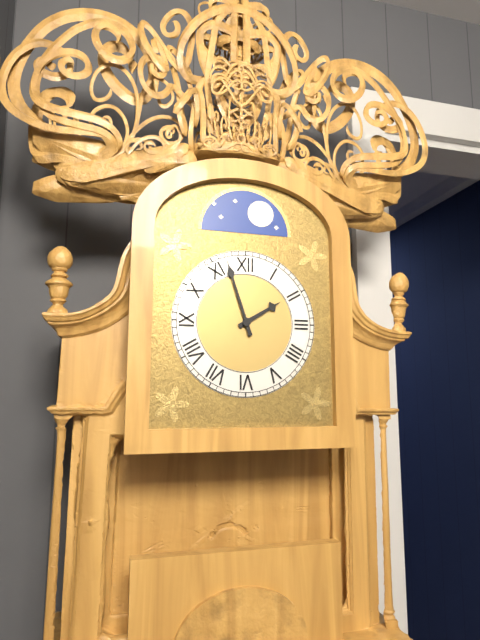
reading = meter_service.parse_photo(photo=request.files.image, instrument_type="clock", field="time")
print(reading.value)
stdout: 1:57
